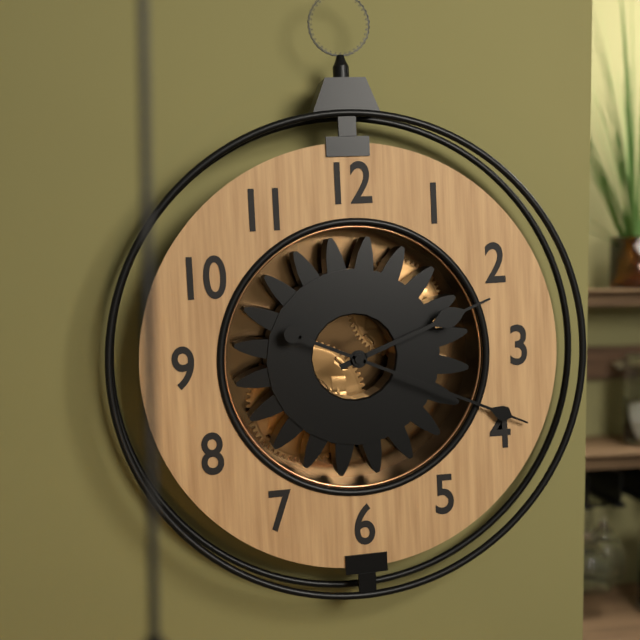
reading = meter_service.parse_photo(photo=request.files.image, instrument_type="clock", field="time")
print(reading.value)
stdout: 2:19
